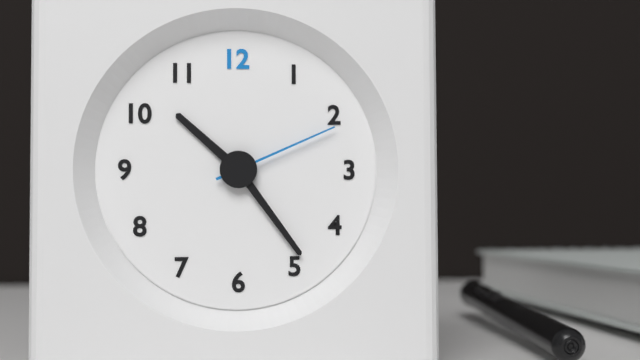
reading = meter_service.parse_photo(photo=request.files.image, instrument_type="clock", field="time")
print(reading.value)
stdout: 10:24:11
